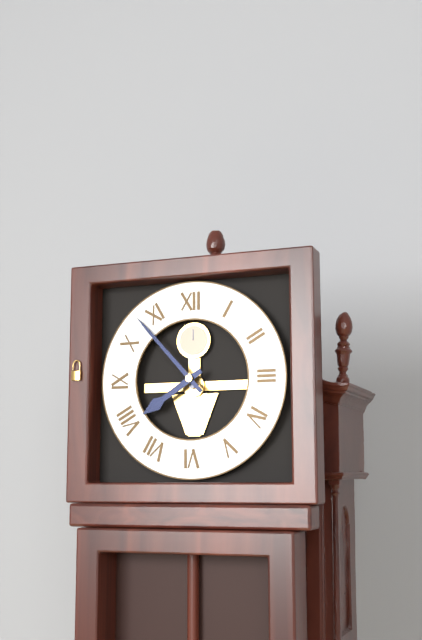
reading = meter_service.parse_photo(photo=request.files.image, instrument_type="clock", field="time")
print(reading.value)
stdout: 7:53
